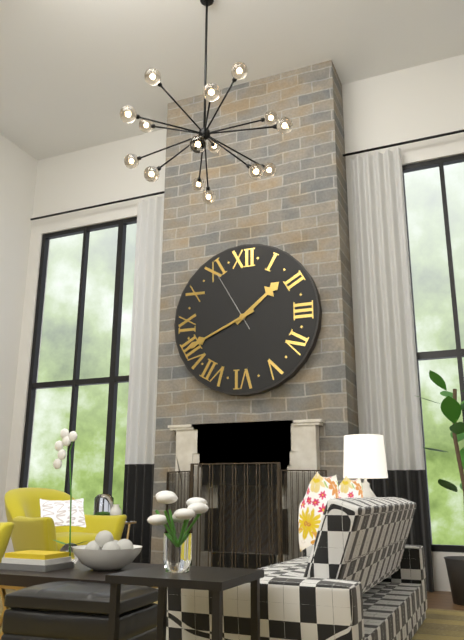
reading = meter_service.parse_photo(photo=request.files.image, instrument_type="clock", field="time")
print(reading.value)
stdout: 1:41:55
